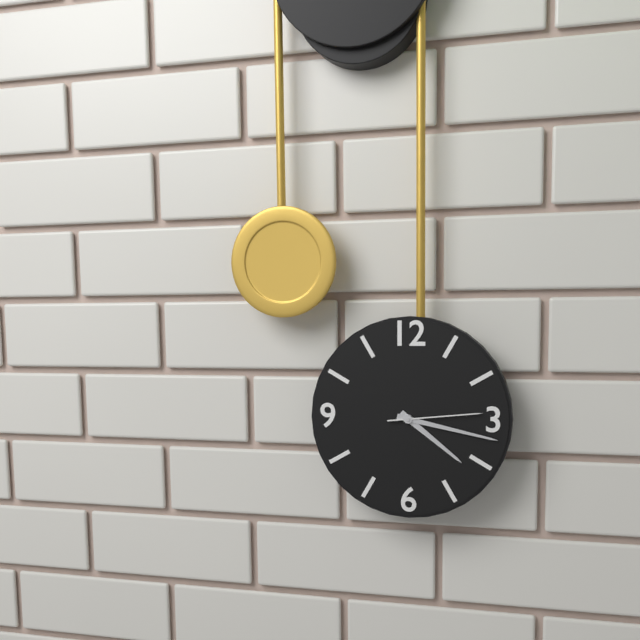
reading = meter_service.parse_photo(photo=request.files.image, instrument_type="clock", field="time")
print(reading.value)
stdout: 4:17:14
